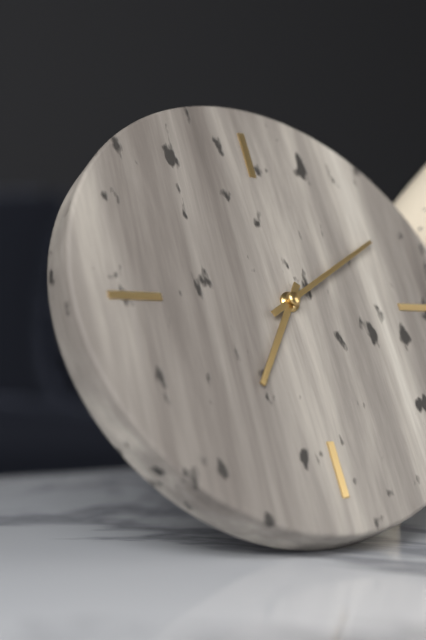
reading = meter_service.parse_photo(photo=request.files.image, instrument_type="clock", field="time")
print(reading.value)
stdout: 7:10
